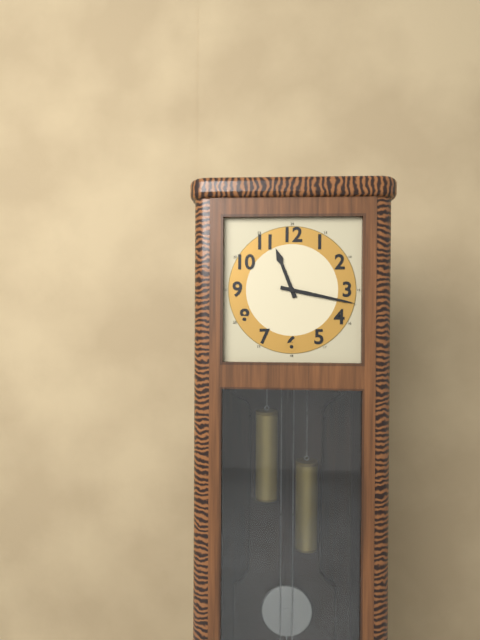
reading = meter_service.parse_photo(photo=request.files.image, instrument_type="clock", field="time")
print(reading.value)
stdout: 11:17
